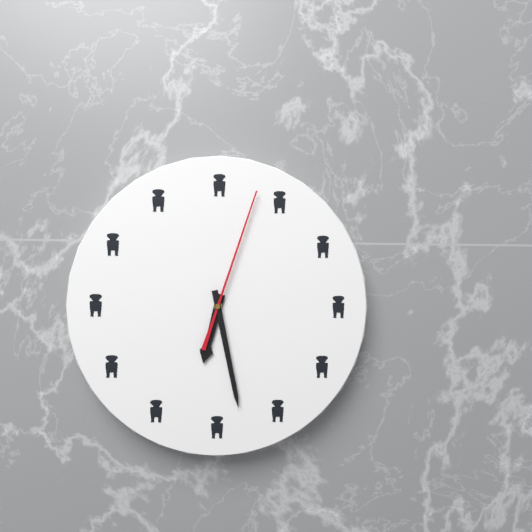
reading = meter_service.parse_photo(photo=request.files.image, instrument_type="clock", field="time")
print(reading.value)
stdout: 6:28:03
